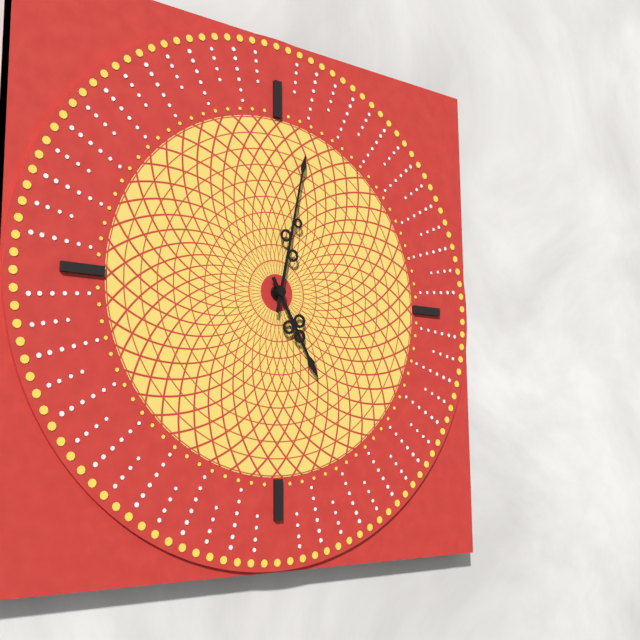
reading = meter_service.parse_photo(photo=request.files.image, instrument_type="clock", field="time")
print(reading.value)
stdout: 5:02
